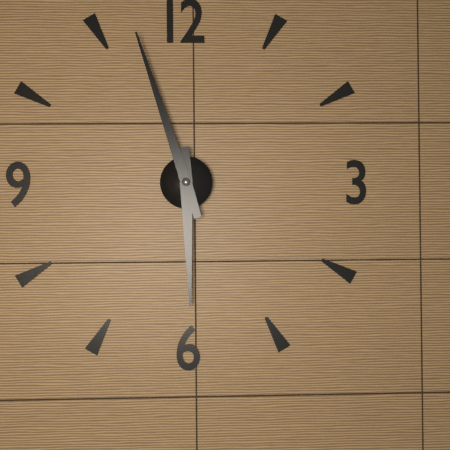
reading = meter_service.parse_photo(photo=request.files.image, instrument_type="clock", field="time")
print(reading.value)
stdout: 5:57
